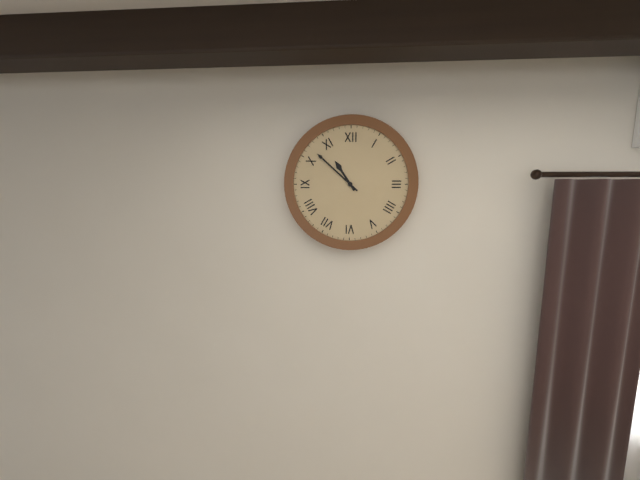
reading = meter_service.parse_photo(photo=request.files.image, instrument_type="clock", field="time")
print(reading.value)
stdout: 10:52
